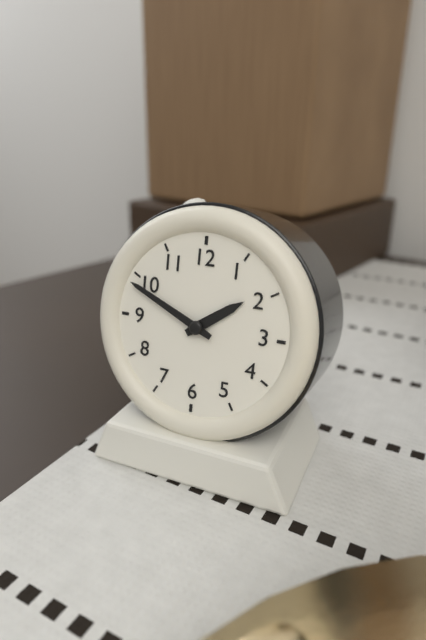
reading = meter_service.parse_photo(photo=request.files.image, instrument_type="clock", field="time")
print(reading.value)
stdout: 1:49
